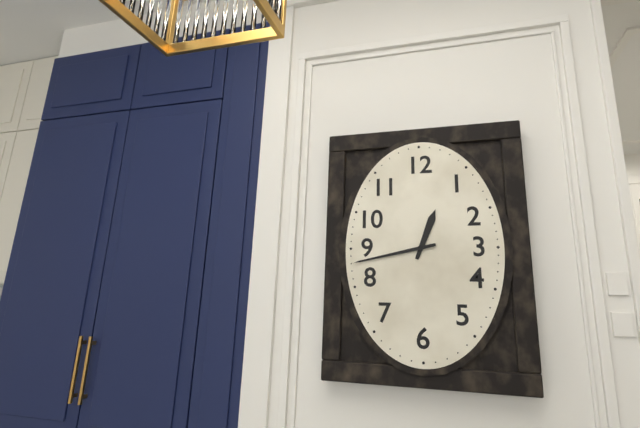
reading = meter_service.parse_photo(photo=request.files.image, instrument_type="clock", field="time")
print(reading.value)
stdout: 12:43
